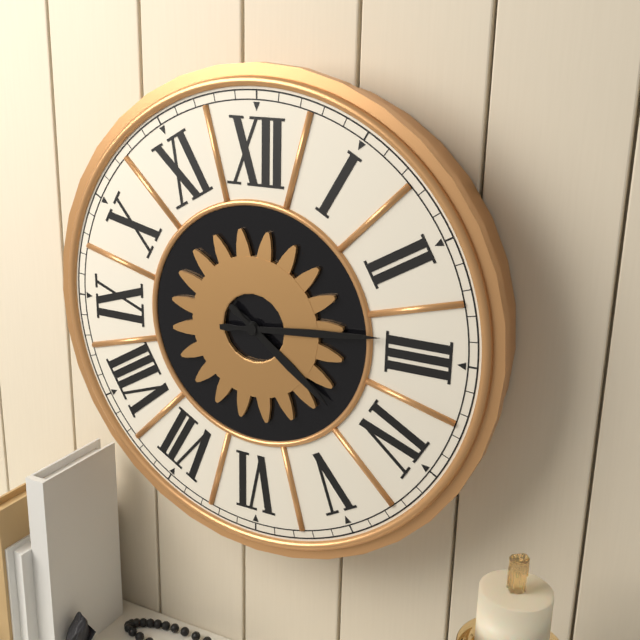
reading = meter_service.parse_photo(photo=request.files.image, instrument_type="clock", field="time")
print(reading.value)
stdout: 4:14
